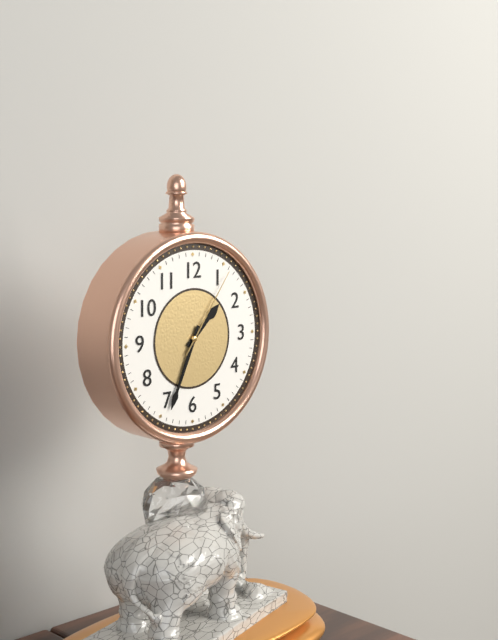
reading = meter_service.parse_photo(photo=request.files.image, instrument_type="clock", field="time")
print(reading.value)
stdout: 1:34:06
